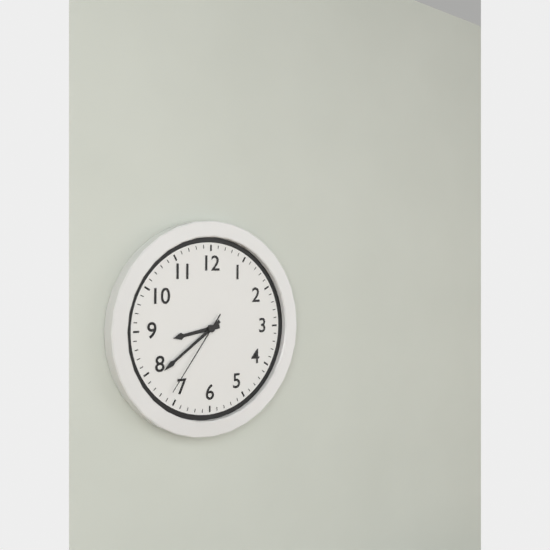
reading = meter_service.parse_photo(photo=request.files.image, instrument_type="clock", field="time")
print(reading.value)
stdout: 8:39:36
